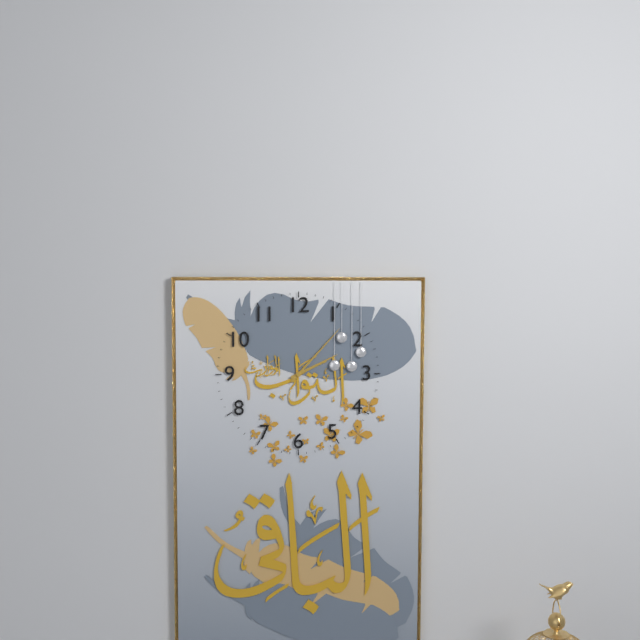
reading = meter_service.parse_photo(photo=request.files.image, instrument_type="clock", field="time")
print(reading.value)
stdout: 2:07
